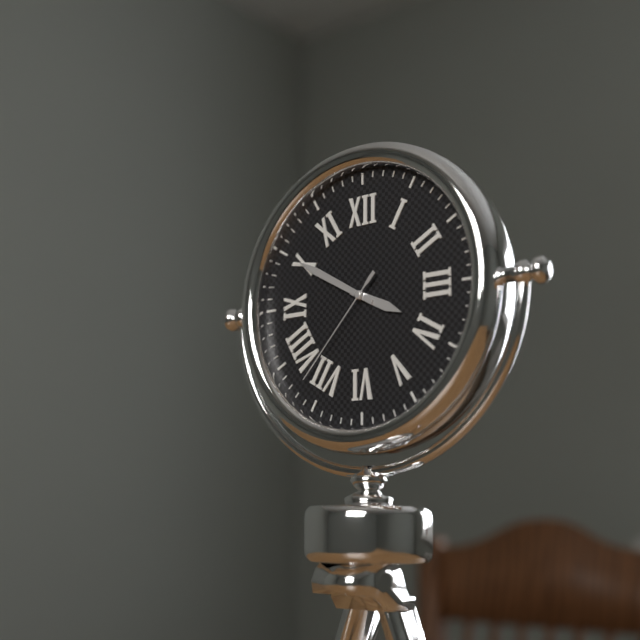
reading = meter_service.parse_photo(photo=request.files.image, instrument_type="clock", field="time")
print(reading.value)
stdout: 3:50:37
